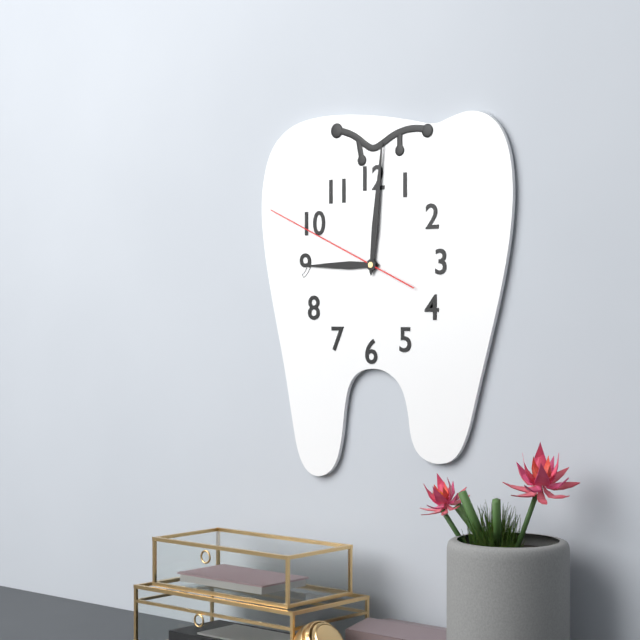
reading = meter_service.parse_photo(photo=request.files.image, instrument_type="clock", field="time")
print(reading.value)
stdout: 9:01:49
